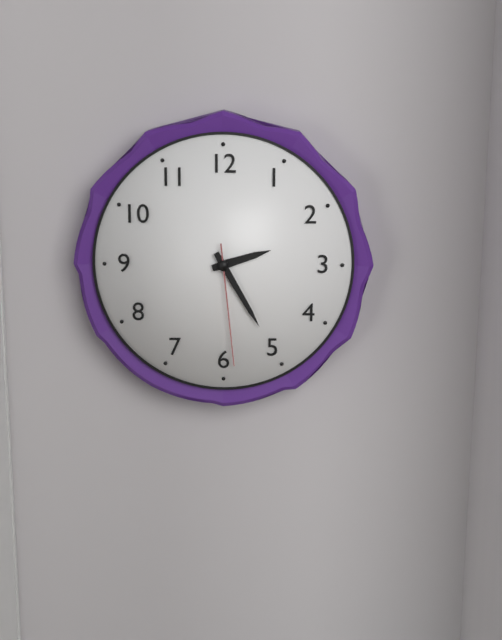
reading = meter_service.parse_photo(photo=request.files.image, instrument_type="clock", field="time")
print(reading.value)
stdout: 2:25:29
